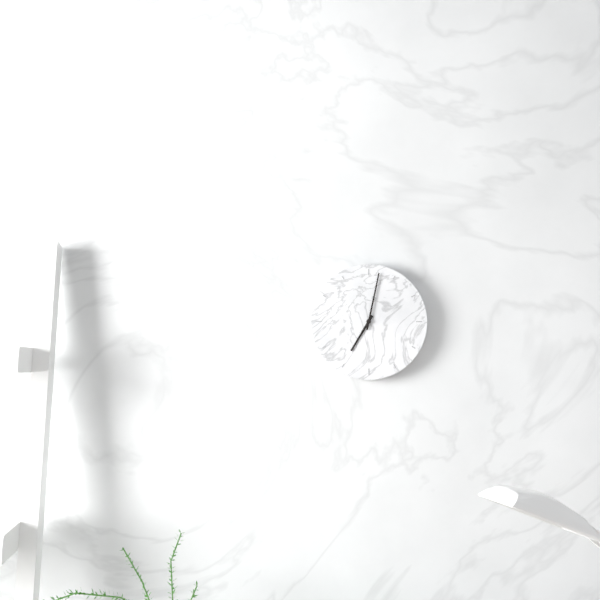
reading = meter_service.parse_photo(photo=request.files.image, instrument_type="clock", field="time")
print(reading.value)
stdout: 7:02
